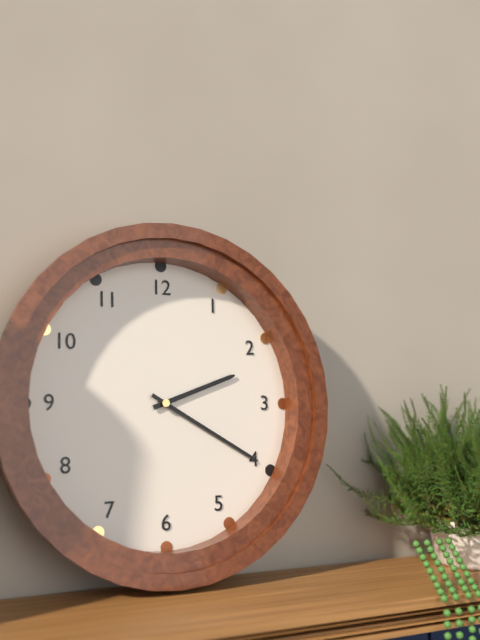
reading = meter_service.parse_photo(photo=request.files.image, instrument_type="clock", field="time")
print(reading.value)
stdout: 2:20
